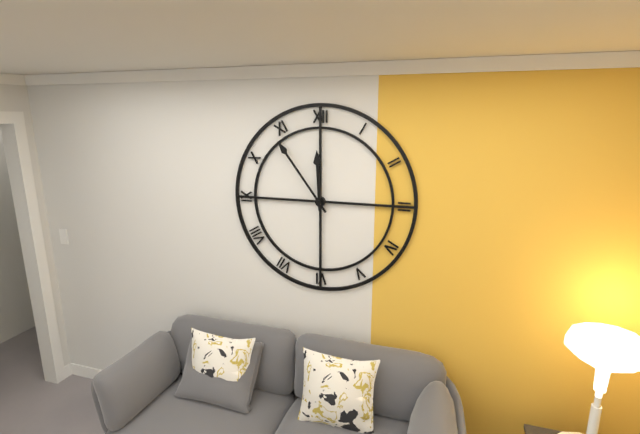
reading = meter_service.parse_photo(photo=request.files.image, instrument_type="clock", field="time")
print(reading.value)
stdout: 11:54
